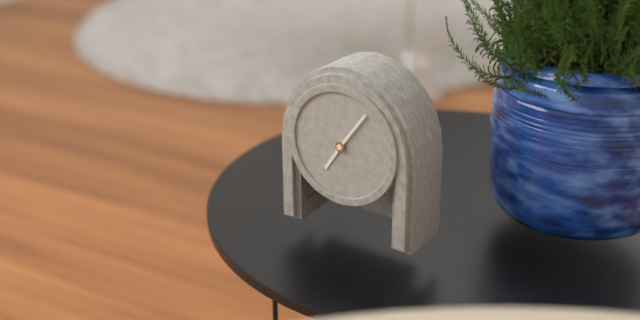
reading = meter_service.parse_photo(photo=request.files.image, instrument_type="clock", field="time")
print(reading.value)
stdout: 7:06
